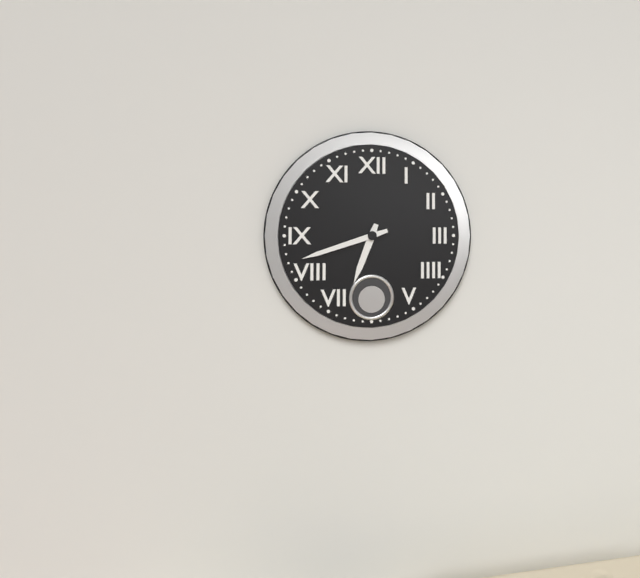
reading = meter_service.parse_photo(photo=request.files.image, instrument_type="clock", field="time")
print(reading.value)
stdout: 6:42
